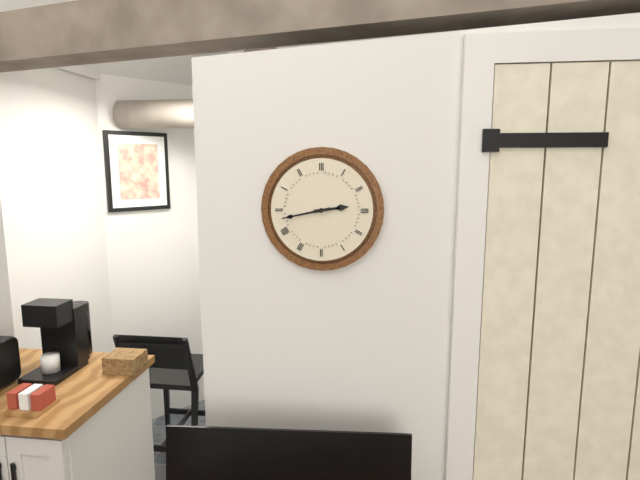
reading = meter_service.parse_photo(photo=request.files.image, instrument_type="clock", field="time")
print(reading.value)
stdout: 2:43
